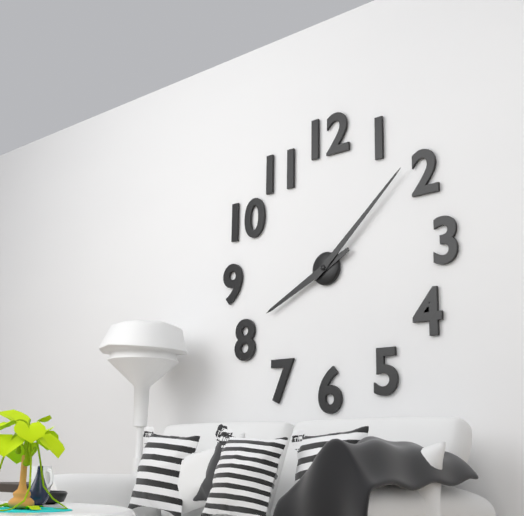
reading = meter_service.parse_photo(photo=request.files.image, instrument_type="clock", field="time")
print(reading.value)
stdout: 8:08
